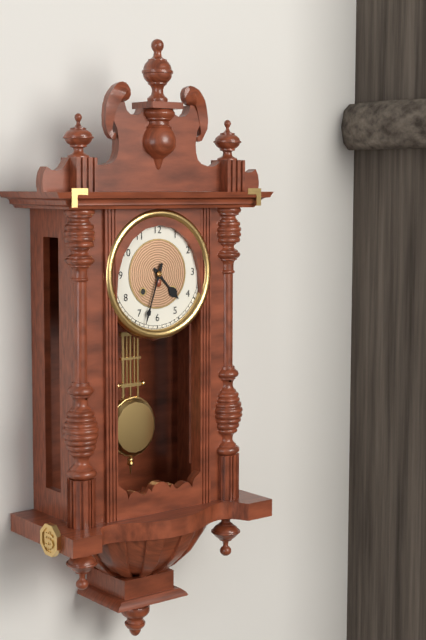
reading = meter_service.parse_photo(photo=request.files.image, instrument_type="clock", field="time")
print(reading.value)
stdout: 4:33
